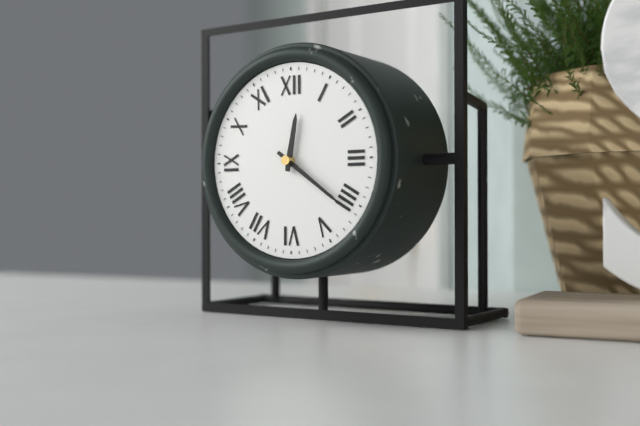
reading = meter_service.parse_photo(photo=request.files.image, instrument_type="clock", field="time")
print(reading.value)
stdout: 12:21
